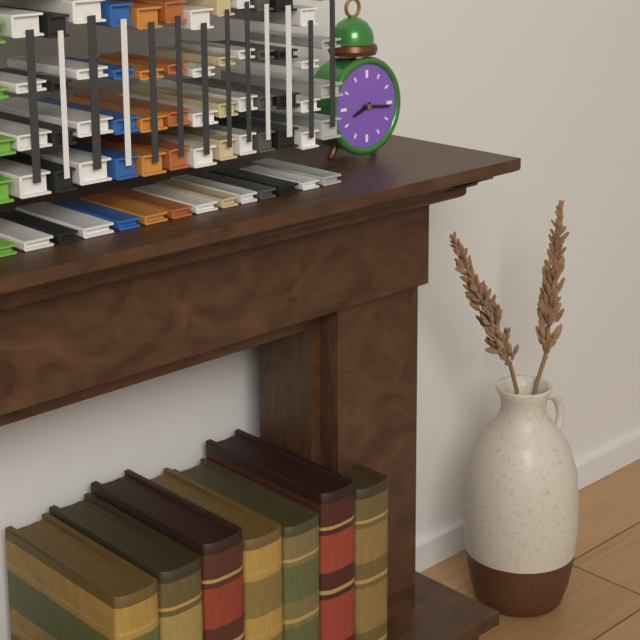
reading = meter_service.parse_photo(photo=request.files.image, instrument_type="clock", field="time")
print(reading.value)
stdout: 8:16
